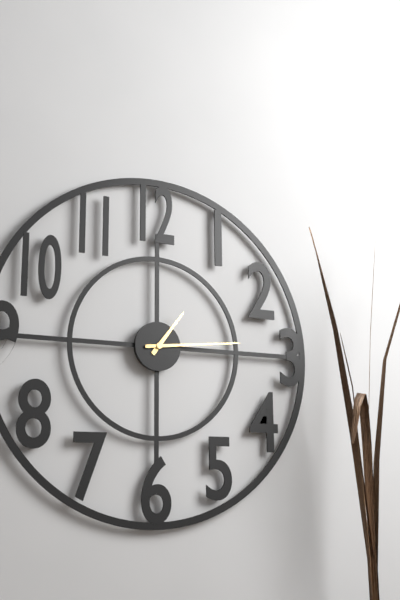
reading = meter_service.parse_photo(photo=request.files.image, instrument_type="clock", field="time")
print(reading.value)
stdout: 1:14
